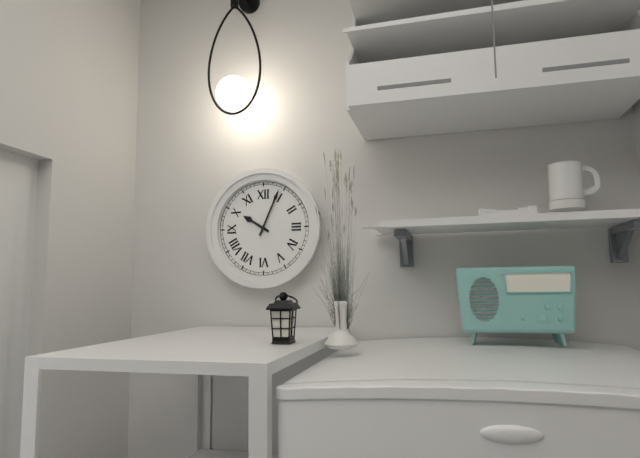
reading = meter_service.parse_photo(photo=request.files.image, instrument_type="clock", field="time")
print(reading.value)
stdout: 10:04
